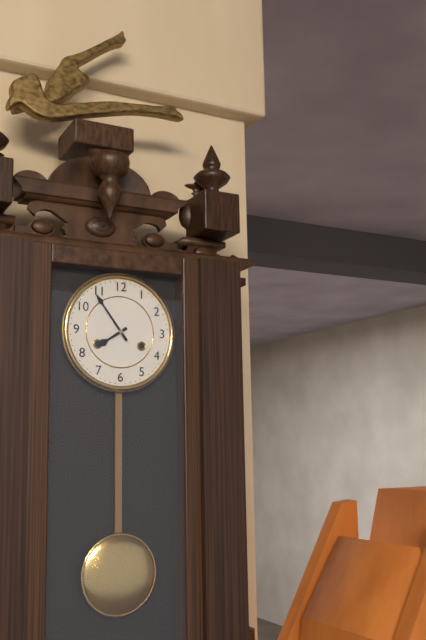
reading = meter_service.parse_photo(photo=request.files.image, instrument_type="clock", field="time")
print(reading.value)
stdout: 7:54
